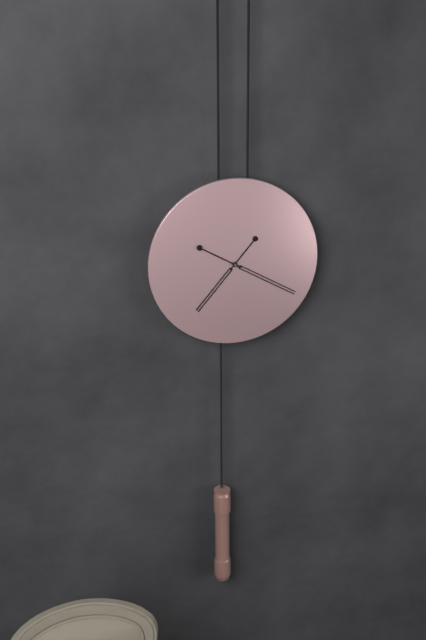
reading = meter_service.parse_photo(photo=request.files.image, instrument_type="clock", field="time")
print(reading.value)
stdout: 7:20
